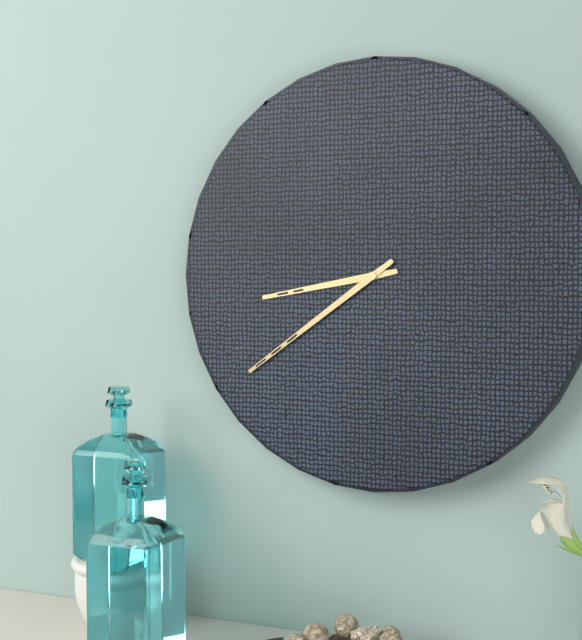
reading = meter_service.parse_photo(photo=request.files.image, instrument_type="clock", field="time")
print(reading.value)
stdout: 8:39
